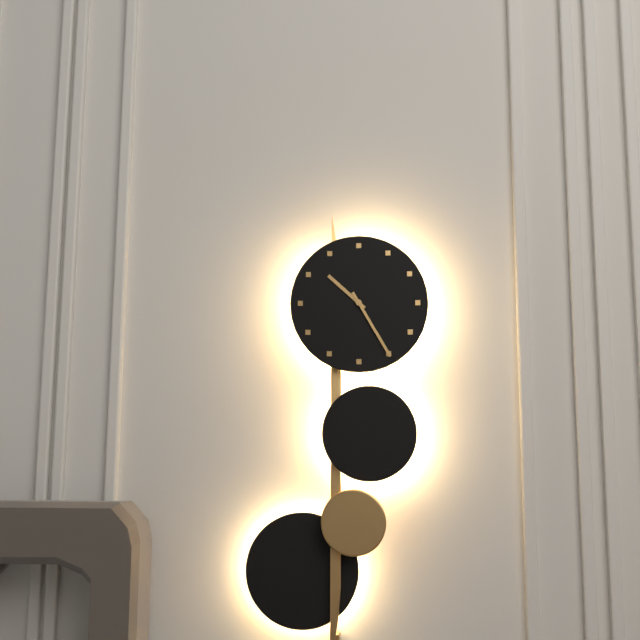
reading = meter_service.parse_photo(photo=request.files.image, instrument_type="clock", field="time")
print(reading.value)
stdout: 10:25
